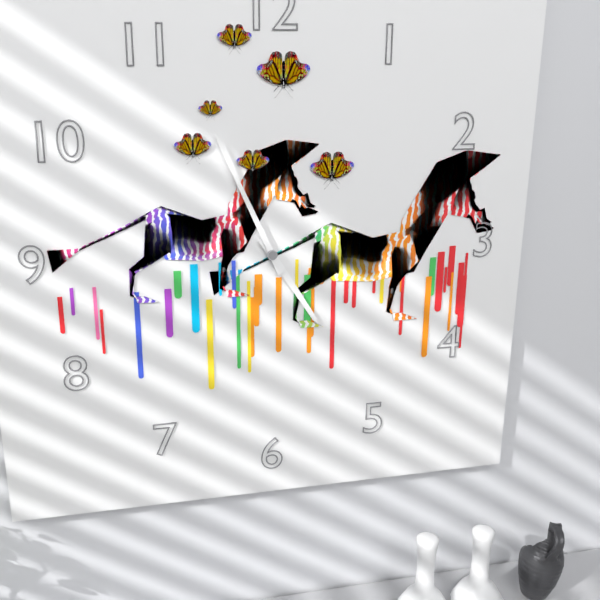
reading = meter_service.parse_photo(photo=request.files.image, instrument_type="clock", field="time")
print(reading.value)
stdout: 4:56
